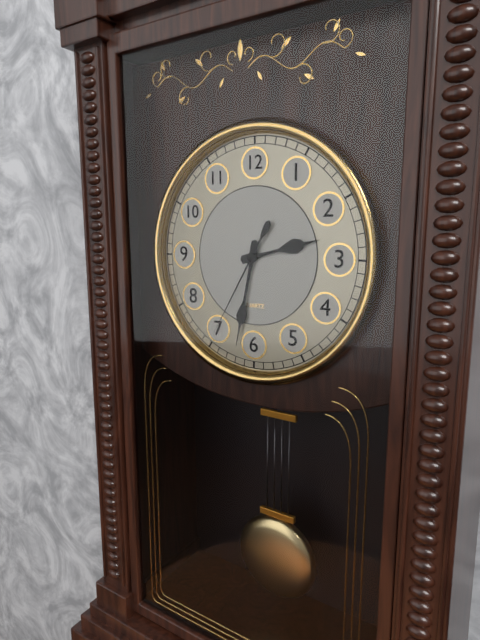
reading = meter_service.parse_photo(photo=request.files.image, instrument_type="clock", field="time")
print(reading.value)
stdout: 2:32:35
